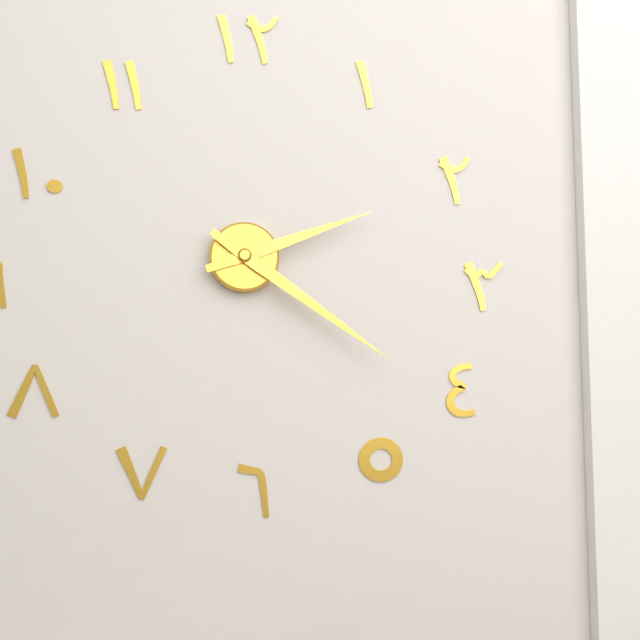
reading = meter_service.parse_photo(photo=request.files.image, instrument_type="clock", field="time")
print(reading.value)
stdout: 2:21
